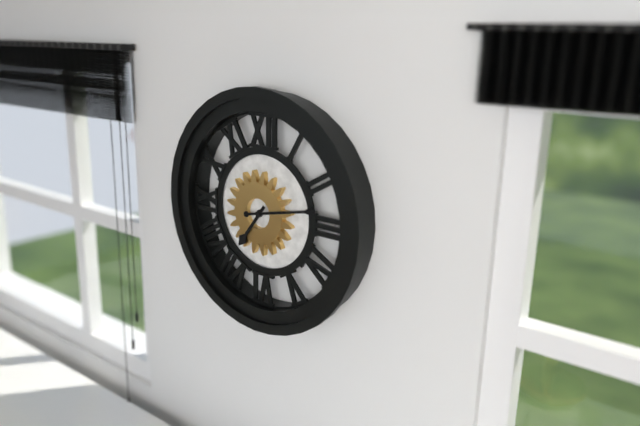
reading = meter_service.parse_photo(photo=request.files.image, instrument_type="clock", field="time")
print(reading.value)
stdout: 7:13
